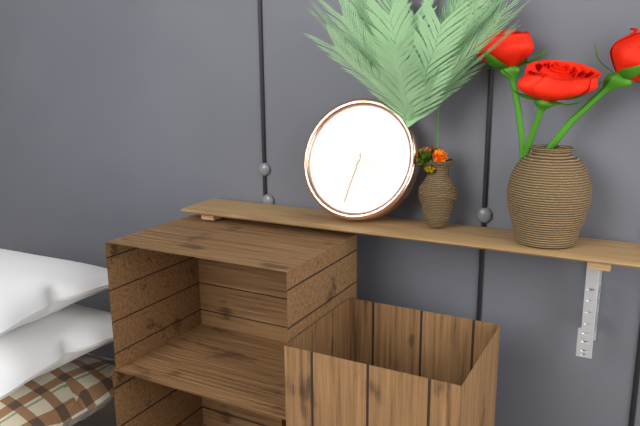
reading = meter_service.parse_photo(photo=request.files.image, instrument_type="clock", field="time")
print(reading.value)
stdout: 3:32
